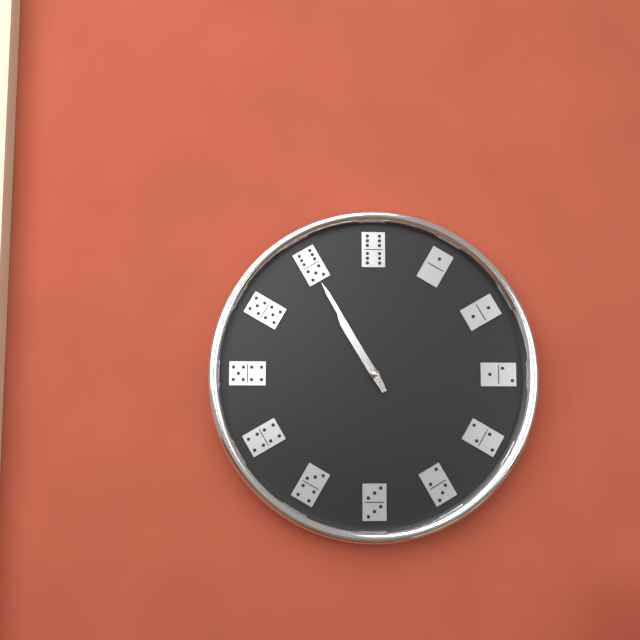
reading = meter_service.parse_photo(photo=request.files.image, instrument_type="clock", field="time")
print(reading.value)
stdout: 10:55
